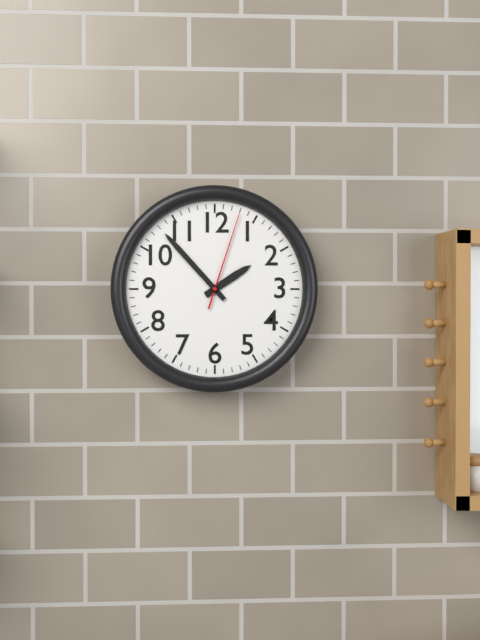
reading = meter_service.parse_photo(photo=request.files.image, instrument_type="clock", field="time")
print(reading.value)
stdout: 1:53:03
